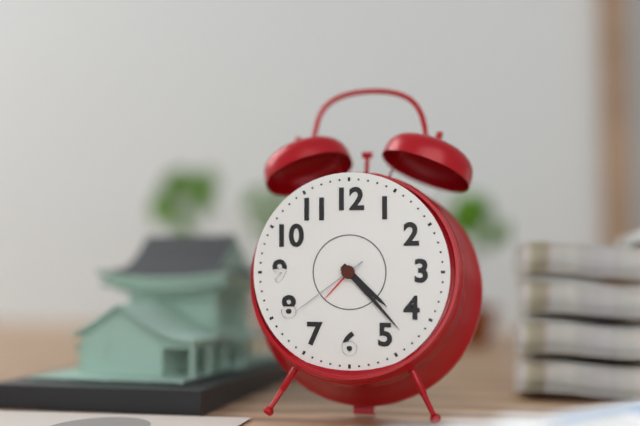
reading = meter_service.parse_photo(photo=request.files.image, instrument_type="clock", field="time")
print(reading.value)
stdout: 4:23:39
